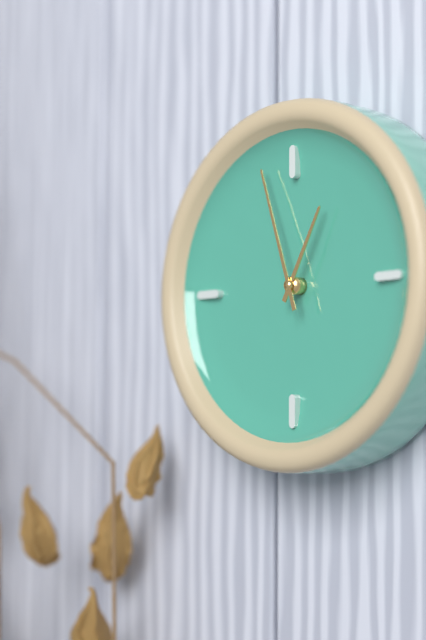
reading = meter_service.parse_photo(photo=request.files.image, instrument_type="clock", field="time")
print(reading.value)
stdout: 12:57
